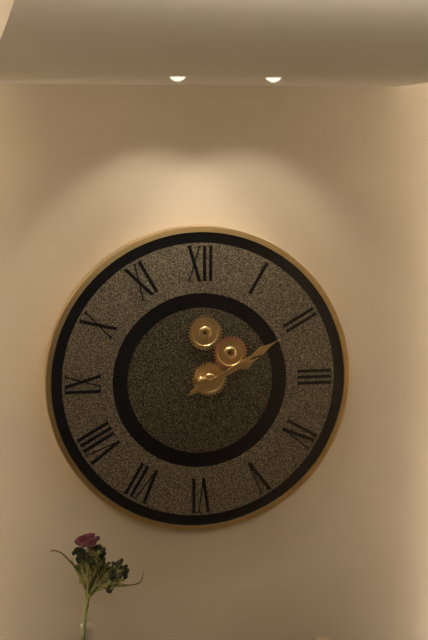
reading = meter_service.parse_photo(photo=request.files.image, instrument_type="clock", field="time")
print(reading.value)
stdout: 2:10
